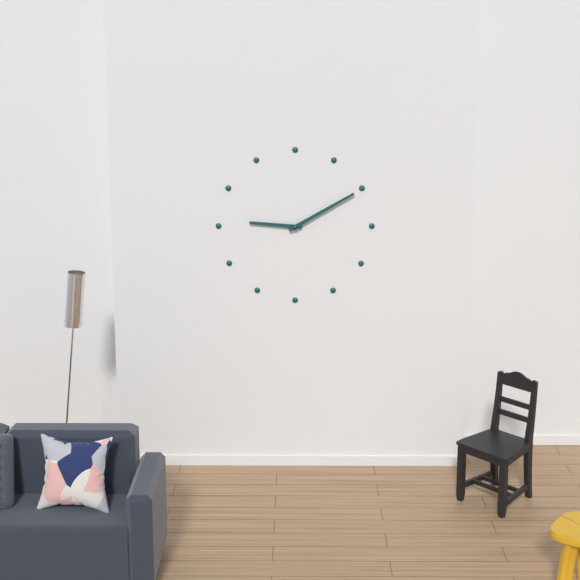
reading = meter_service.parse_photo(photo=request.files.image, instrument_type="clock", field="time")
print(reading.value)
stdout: 9:10
